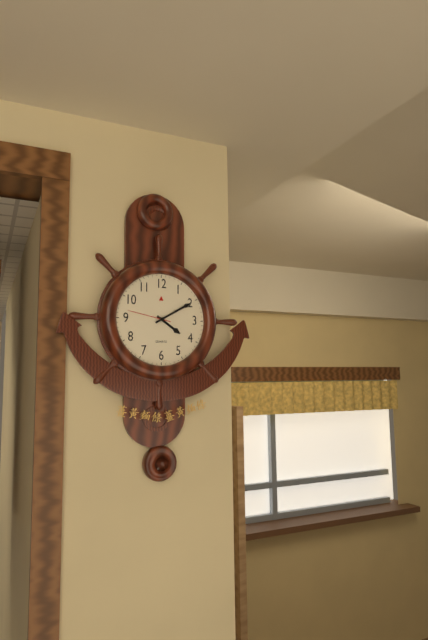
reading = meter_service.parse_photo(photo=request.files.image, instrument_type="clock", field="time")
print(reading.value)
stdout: 4:10
